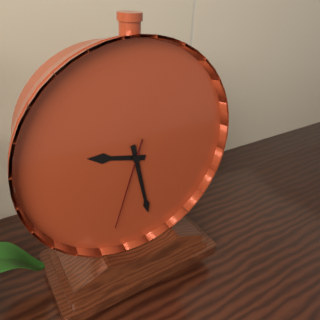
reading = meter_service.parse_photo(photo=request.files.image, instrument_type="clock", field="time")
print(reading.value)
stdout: 9:28:33
